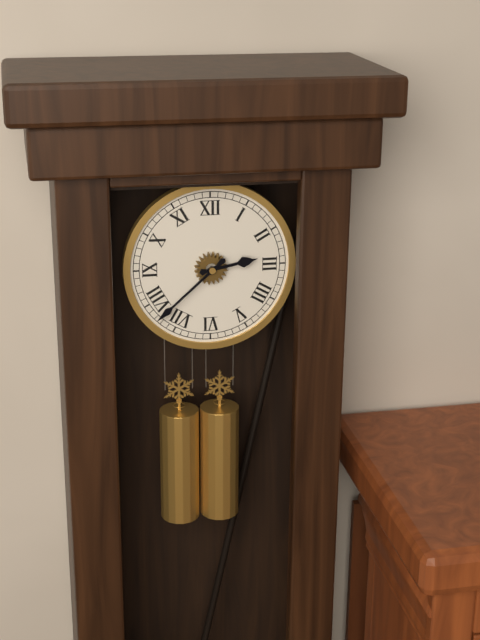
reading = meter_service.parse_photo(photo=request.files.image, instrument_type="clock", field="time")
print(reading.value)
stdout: 2:38
